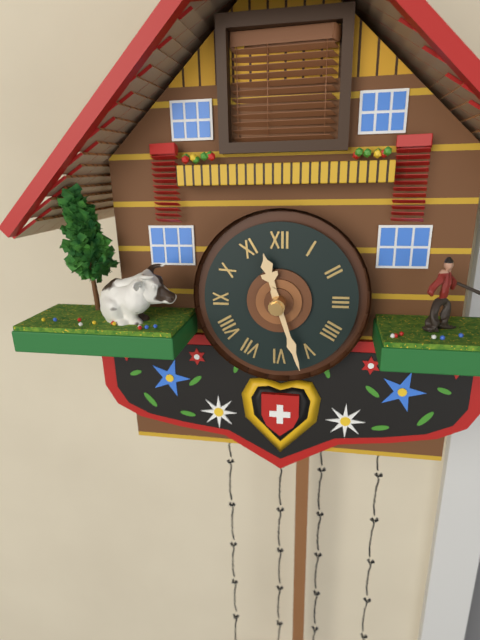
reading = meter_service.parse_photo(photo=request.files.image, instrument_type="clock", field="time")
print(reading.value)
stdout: 11:27
